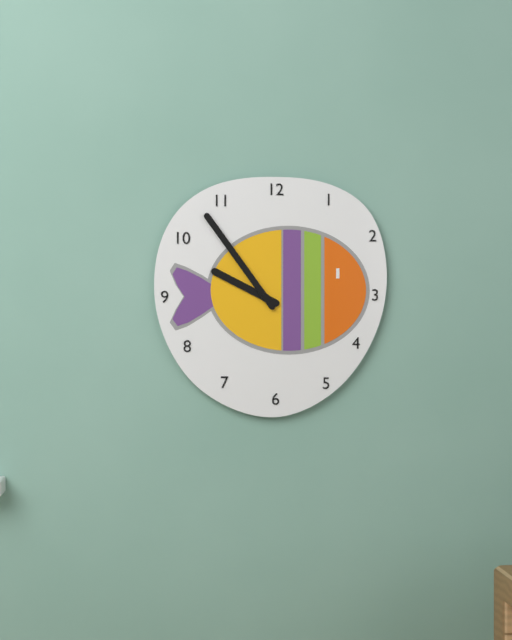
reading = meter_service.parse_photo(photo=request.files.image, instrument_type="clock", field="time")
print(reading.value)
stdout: 9:54
